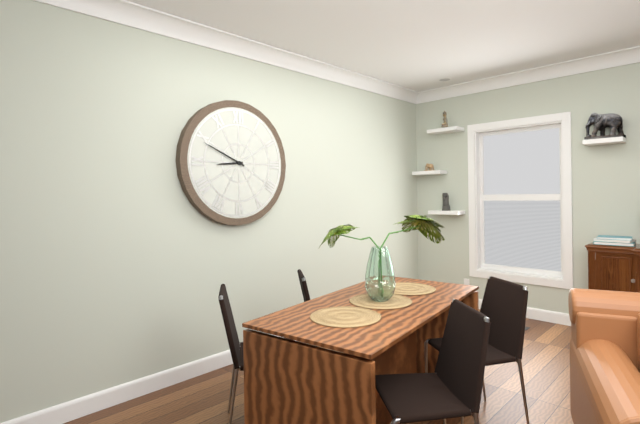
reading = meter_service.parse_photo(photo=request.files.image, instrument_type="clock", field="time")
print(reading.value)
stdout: 8:49
